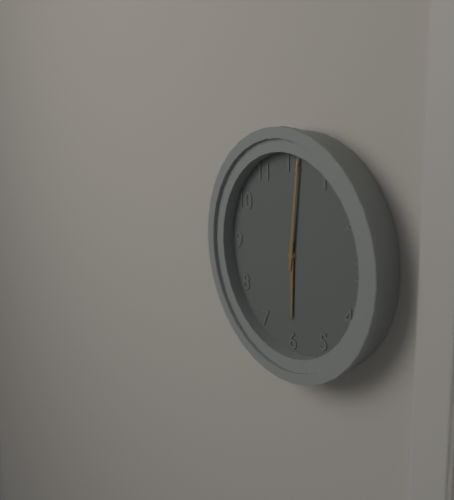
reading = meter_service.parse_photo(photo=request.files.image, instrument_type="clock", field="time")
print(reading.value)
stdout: 6:01
